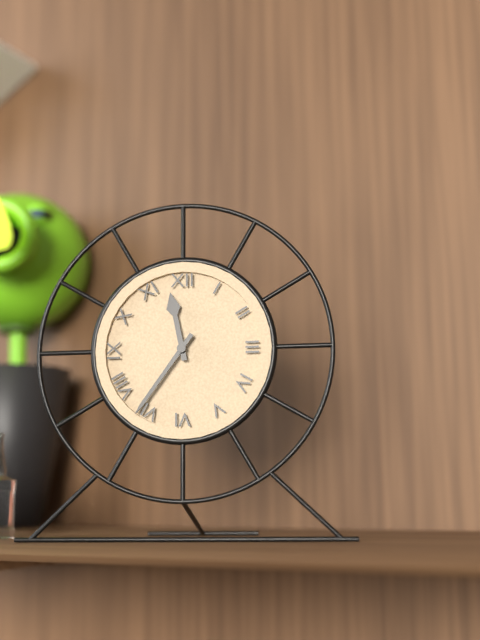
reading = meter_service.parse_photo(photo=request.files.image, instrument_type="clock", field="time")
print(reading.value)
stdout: 11:36
